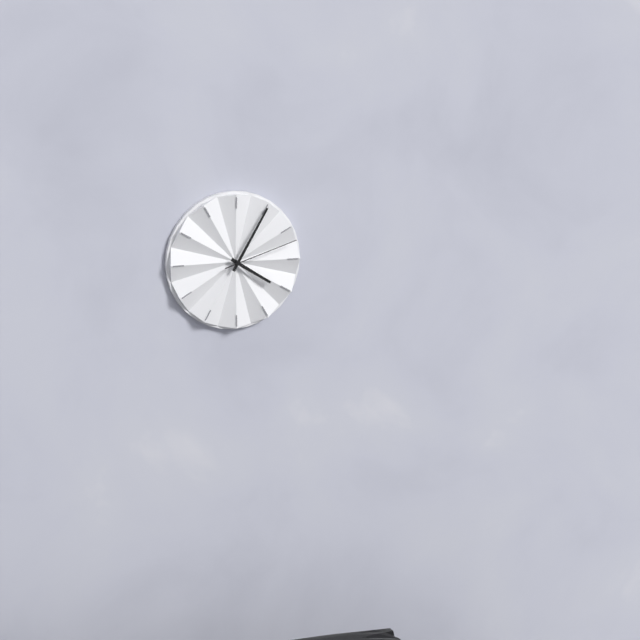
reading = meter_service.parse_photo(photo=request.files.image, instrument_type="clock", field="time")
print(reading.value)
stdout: 4:05:12
